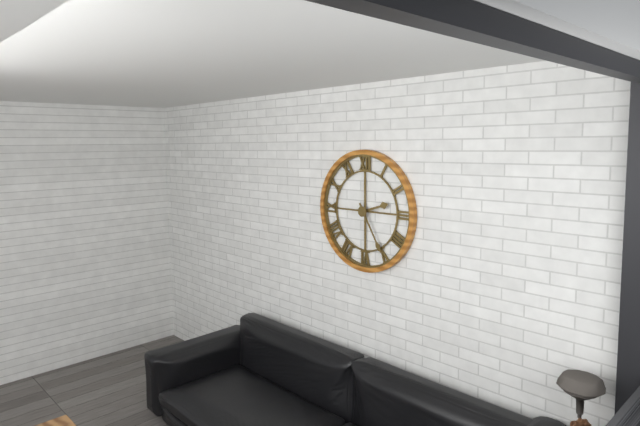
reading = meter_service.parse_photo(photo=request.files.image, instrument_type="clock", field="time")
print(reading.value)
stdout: 2:25
